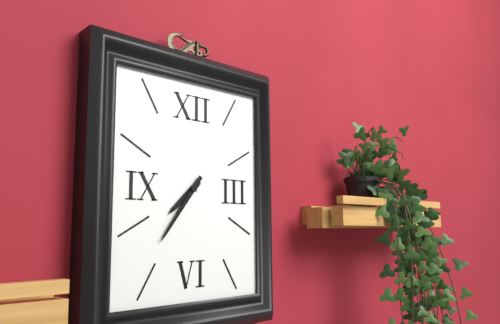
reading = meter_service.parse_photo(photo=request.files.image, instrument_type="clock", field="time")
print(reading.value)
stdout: 7:36
